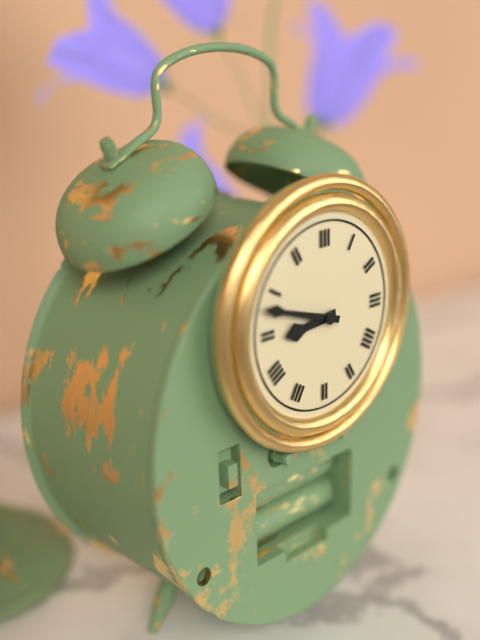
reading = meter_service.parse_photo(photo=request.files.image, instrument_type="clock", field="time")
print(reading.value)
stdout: 8:48
